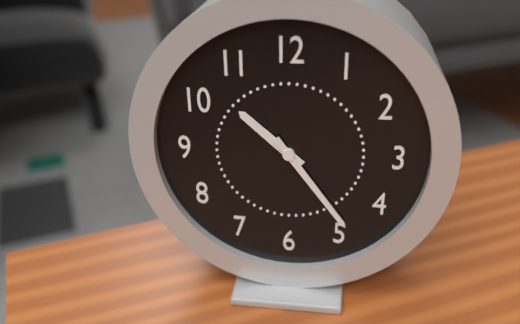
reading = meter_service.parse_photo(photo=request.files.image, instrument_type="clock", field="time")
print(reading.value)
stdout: 10:24
